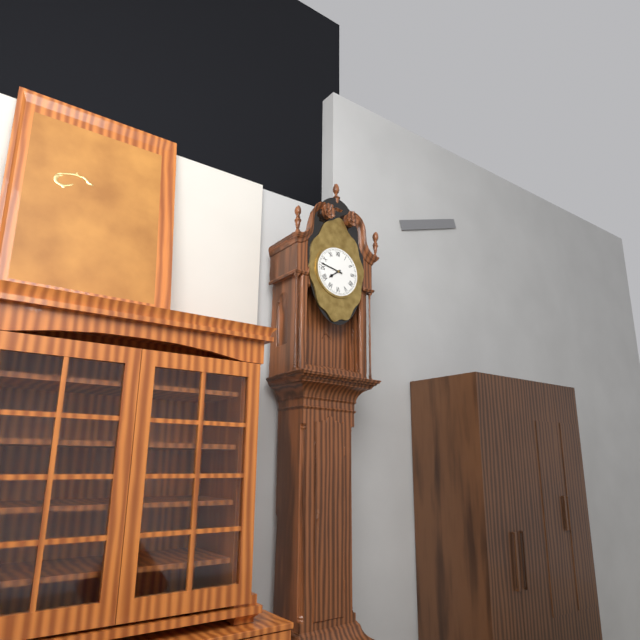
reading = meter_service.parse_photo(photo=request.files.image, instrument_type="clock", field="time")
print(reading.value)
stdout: 7:47
